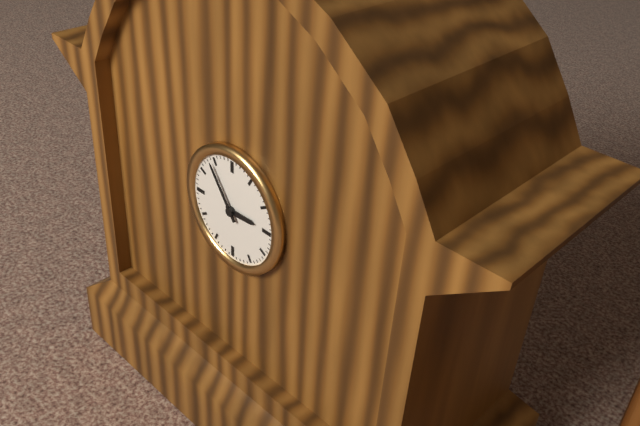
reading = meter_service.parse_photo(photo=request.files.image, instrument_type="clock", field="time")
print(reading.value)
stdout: 2:54
